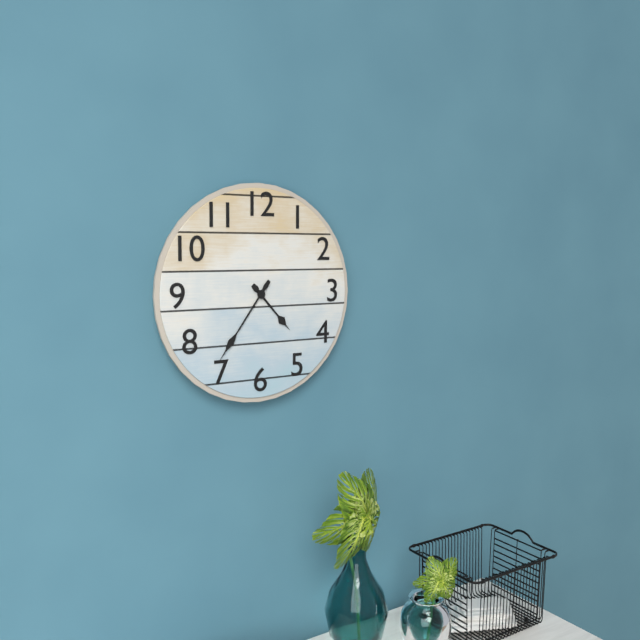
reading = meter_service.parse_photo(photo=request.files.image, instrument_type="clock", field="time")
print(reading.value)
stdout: 4:36
